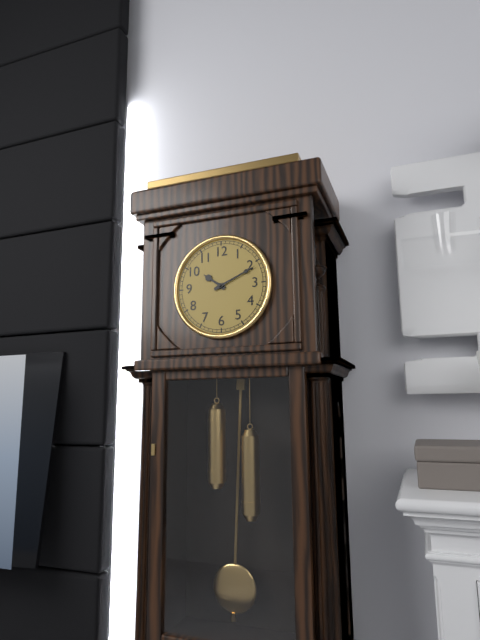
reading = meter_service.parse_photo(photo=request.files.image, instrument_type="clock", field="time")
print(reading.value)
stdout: 10:11
